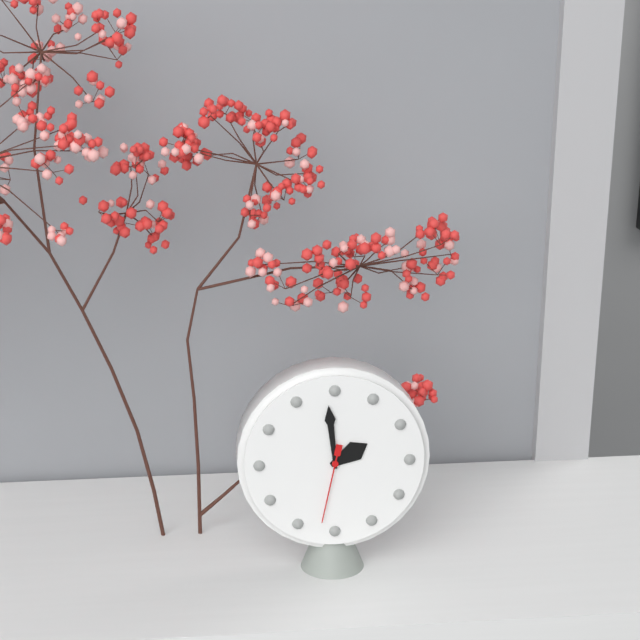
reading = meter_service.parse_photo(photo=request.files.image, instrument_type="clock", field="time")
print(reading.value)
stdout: 1:59:32
